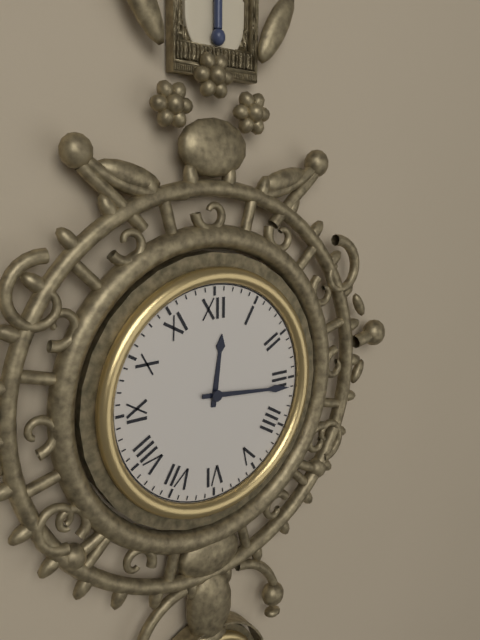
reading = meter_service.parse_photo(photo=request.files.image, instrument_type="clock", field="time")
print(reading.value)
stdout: 12:16
